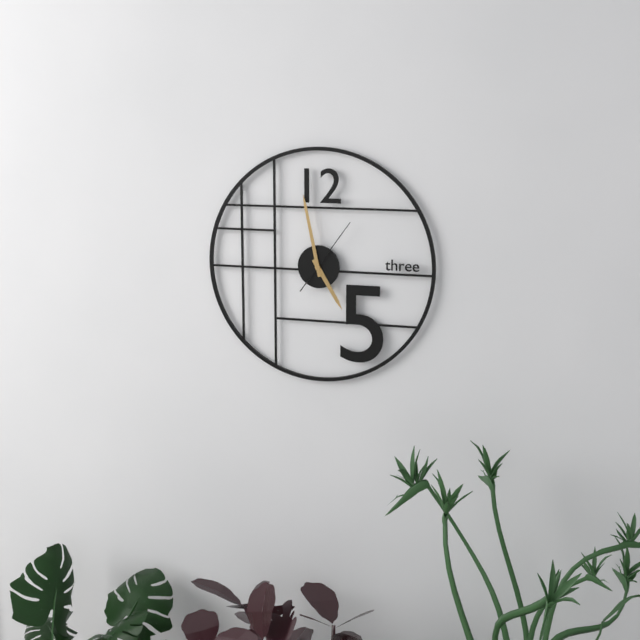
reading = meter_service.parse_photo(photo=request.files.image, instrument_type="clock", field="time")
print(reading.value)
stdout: 4:58:06
